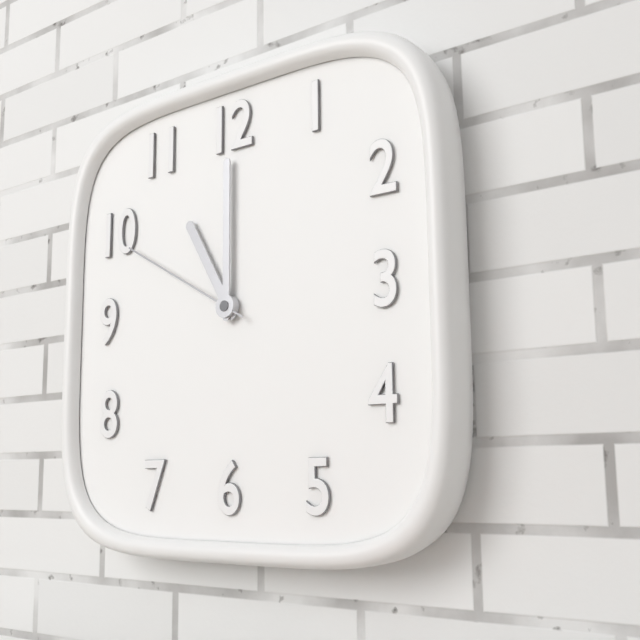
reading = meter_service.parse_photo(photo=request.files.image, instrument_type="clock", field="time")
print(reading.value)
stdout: 11:00:50
